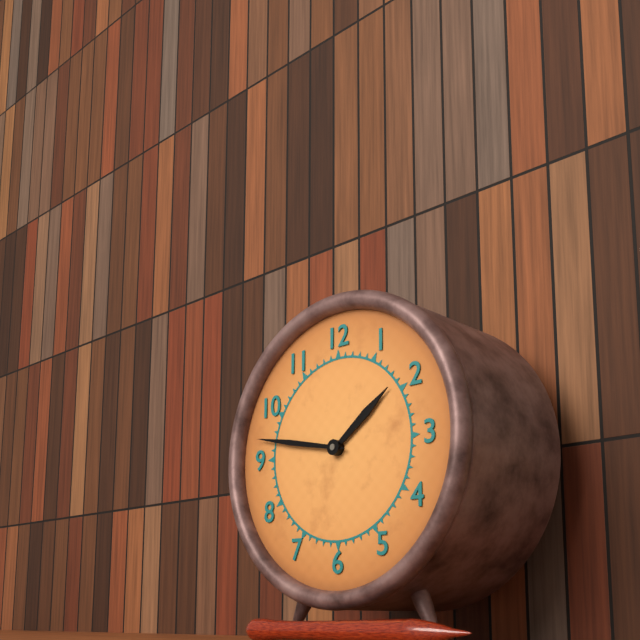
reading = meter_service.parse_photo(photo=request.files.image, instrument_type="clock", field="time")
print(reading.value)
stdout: 1:47
